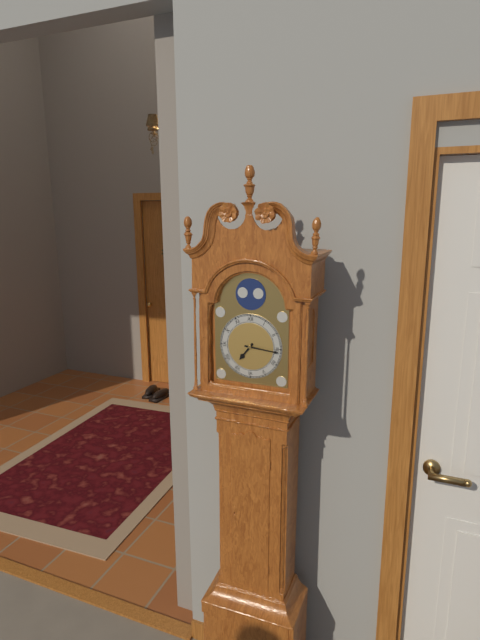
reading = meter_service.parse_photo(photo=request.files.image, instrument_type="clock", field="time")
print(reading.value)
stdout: 7:16
